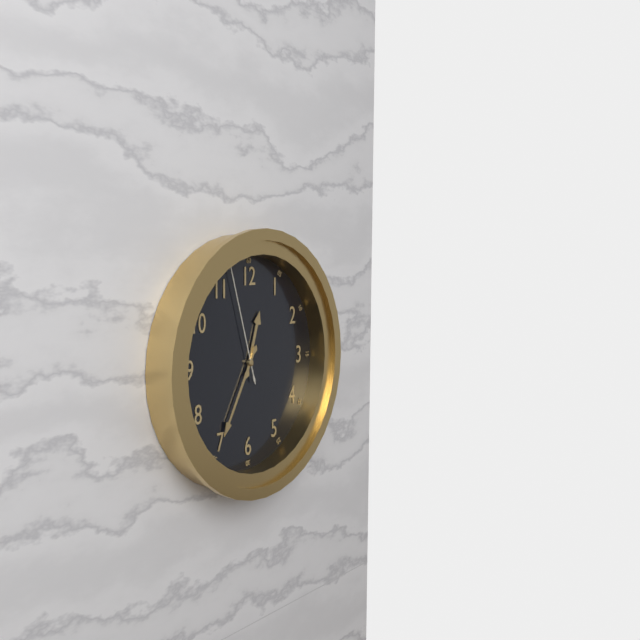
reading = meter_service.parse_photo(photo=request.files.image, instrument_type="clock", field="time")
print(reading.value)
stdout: 12:35:57
